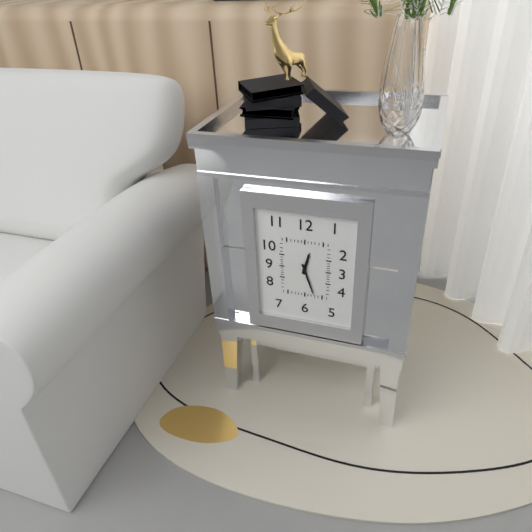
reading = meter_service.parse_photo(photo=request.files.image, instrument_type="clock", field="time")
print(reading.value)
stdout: 12:27
